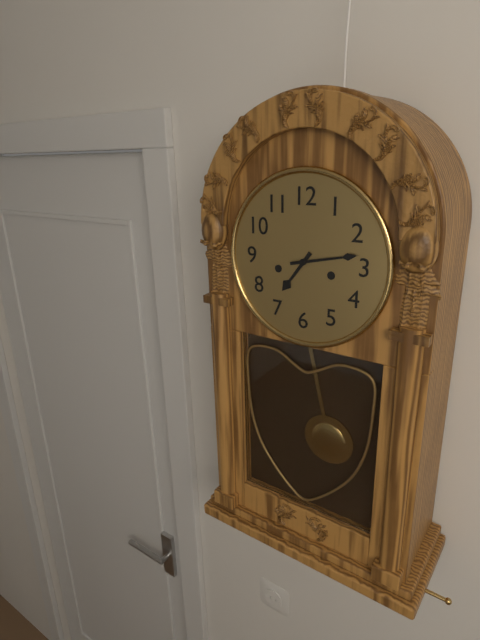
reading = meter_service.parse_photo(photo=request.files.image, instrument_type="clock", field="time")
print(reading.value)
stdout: 7:13
